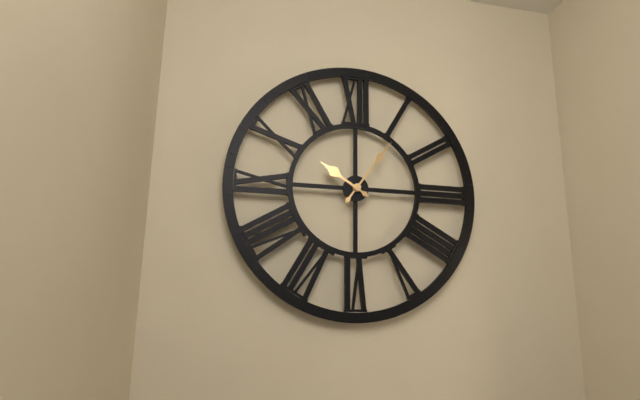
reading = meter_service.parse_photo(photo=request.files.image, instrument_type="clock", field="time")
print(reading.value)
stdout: 10:06
